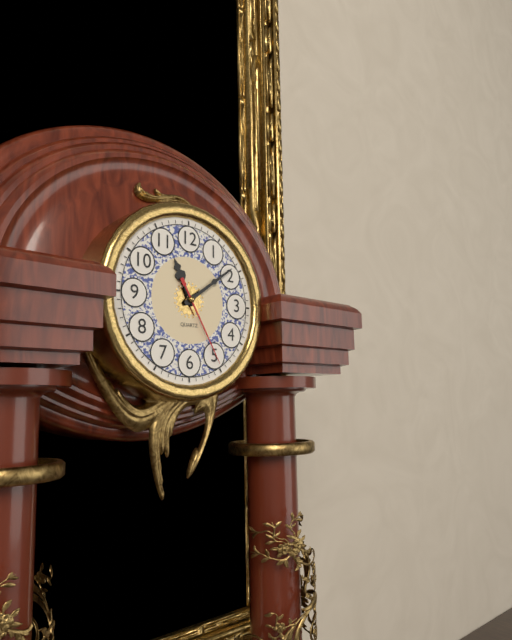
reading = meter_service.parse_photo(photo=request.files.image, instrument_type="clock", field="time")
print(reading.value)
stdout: 11:09:25
